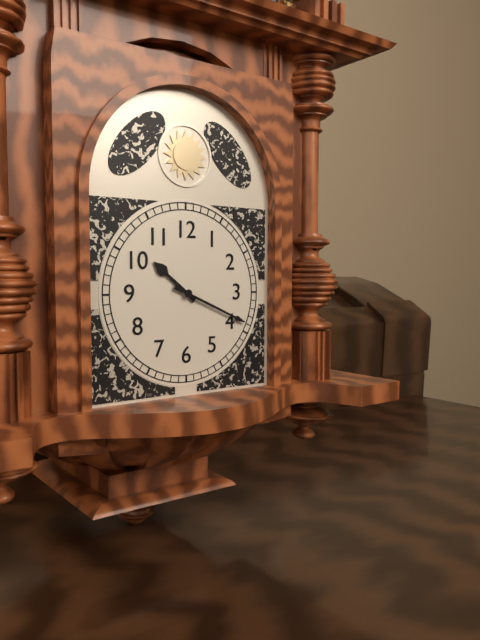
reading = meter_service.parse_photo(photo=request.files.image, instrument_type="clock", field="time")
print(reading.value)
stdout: 10:19
